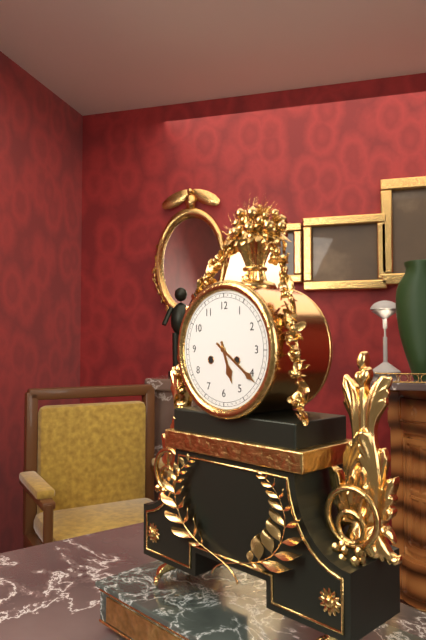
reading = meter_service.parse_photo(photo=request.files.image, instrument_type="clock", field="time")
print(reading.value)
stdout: 5:21
